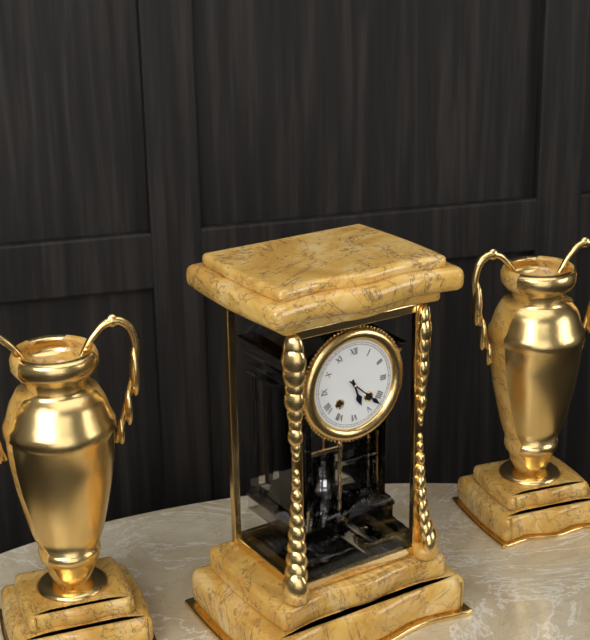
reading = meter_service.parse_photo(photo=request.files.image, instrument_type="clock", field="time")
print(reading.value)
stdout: 5:22
